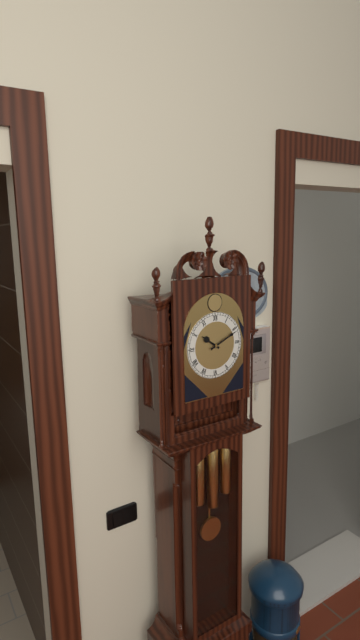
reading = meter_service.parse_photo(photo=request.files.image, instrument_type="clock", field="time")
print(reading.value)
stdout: 10:11
